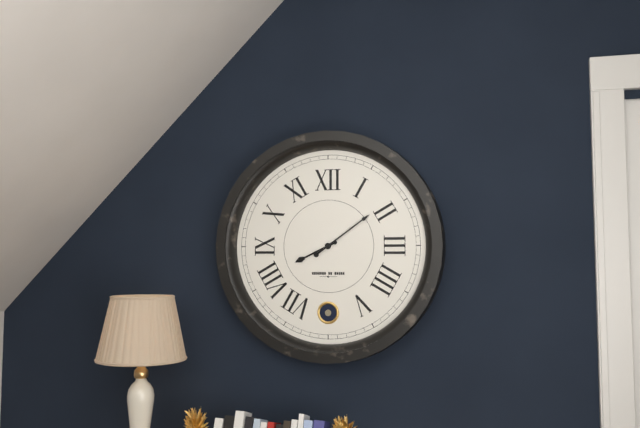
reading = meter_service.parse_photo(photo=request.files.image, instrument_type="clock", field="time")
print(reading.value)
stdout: 8:09
